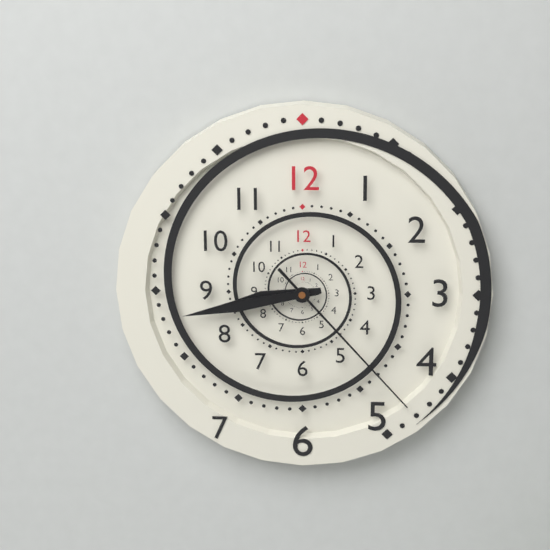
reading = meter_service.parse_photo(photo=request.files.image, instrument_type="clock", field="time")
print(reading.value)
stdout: 8:43:23
